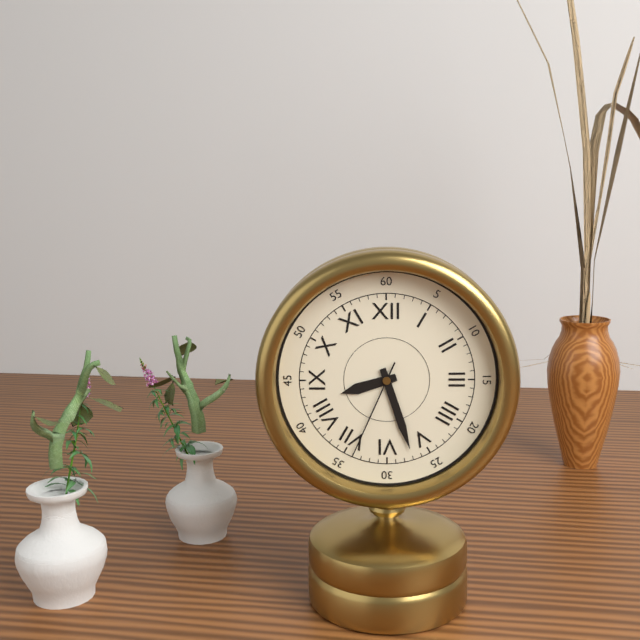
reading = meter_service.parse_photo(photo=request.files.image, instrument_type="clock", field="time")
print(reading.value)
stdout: 8:27:34
